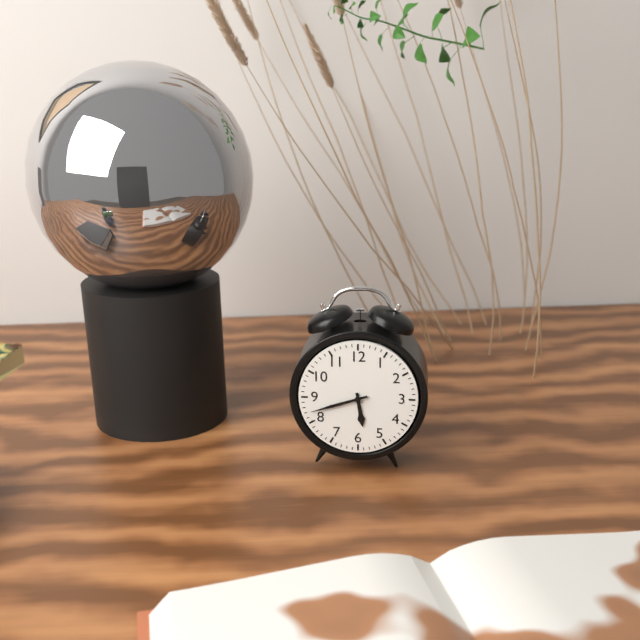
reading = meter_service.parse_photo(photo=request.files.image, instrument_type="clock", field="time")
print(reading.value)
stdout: 5:42
